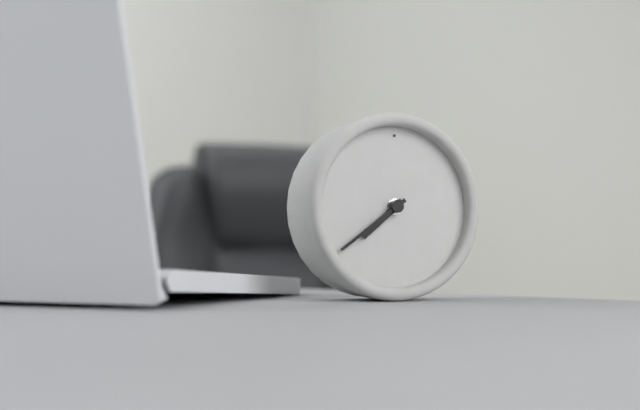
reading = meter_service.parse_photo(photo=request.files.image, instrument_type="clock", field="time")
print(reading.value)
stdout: 7:39
